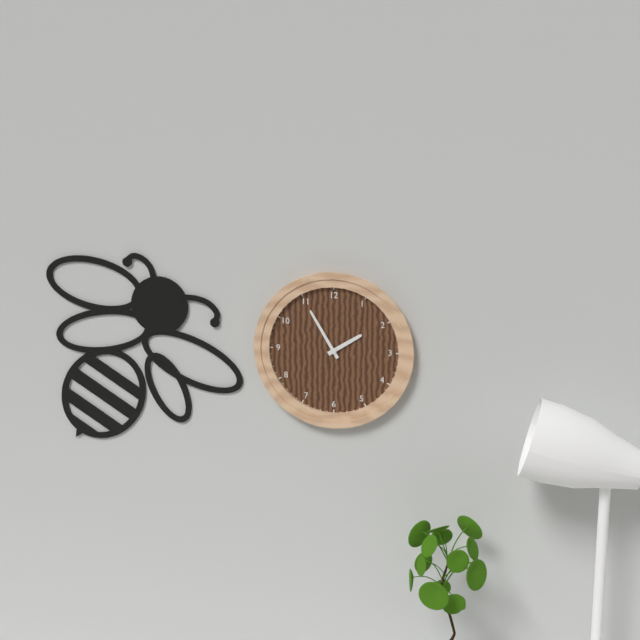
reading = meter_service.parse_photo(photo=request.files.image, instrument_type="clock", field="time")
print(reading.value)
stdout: 1:55
